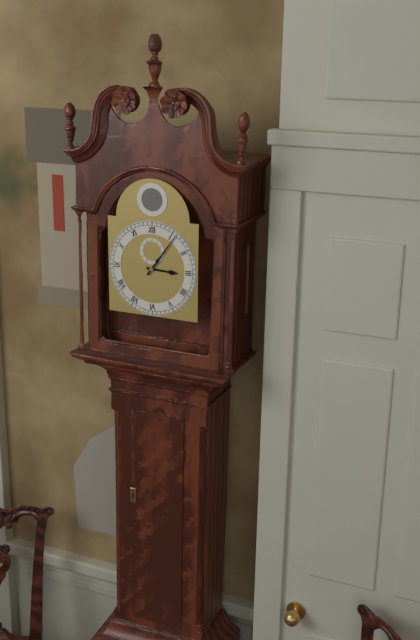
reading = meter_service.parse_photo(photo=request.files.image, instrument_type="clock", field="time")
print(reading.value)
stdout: 3:06
